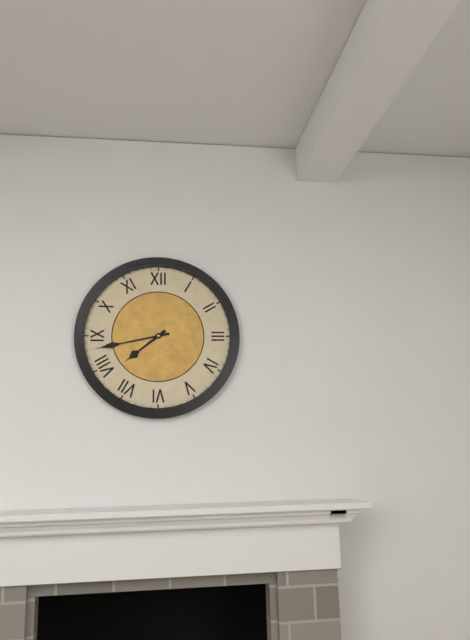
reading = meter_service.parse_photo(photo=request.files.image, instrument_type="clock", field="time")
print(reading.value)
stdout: 7:43
